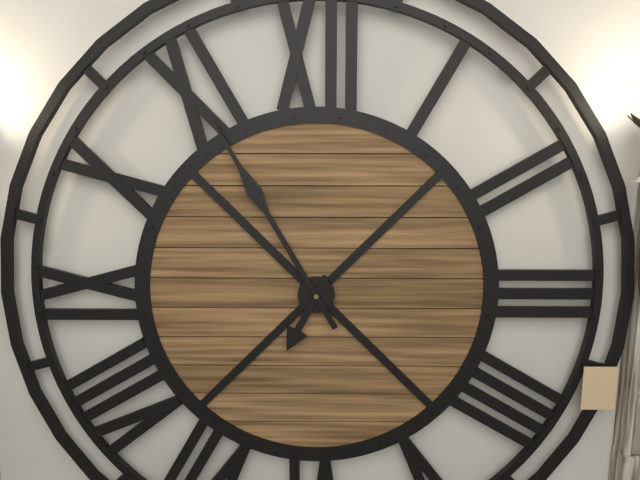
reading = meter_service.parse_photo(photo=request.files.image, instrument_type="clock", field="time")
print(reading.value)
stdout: 6:55
